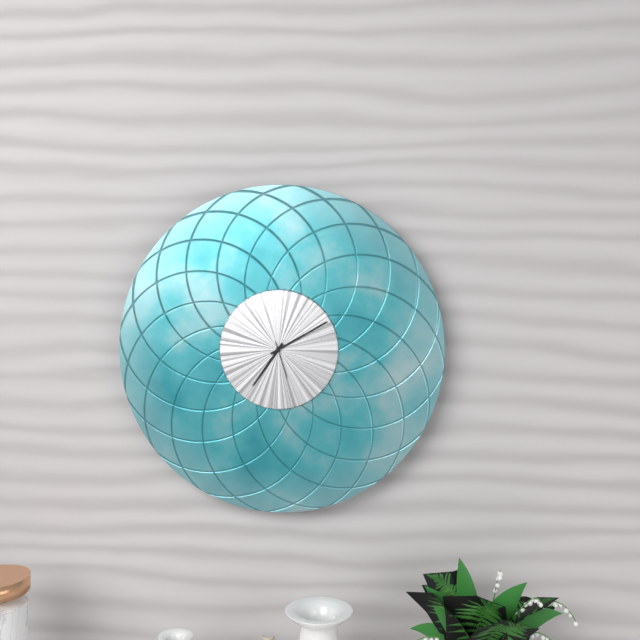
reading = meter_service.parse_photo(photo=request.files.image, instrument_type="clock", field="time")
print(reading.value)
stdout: 7:10
